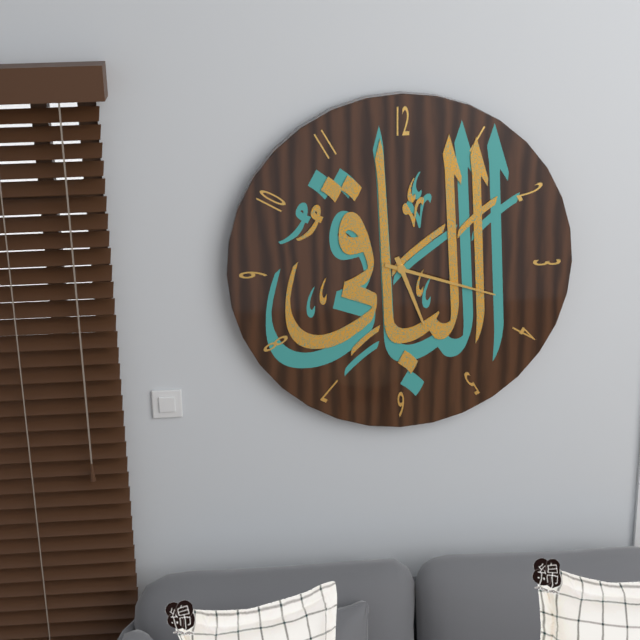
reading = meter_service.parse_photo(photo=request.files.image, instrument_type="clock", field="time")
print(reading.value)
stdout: 5:18
